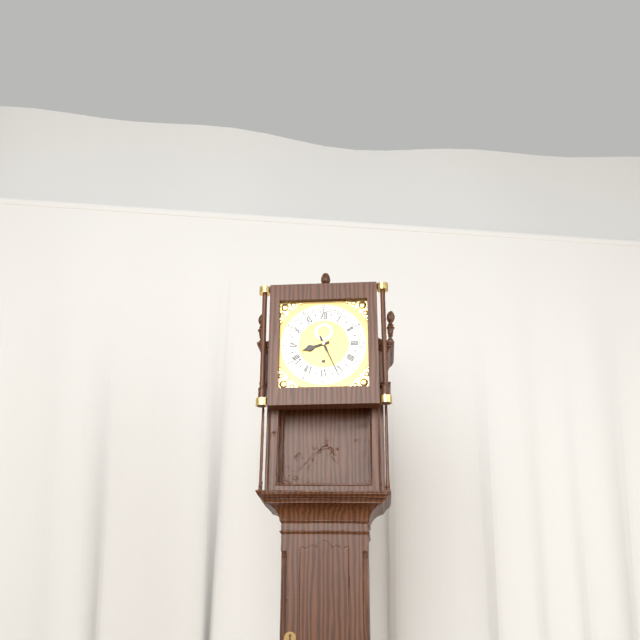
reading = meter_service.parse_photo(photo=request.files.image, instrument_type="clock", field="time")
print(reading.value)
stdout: 8:26
